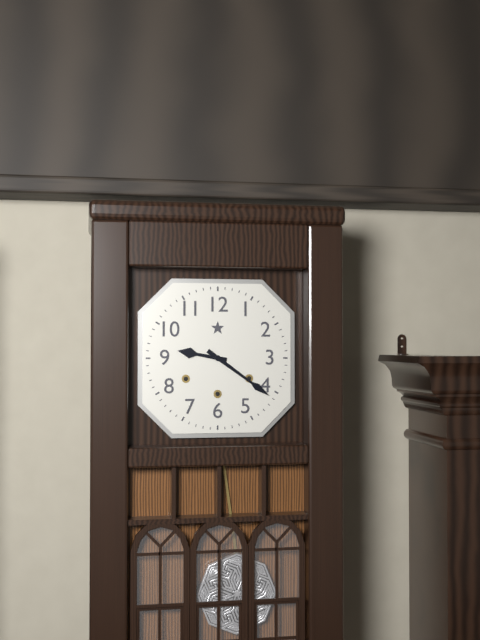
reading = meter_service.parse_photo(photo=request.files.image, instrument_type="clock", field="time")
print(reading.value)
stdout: 9:21
